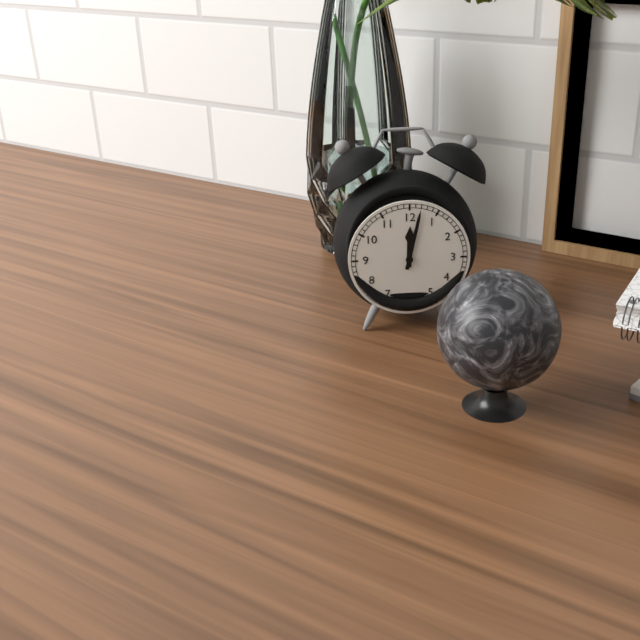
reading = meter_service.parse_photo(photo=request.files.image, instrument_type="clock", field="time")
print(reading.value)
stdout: 12:02
